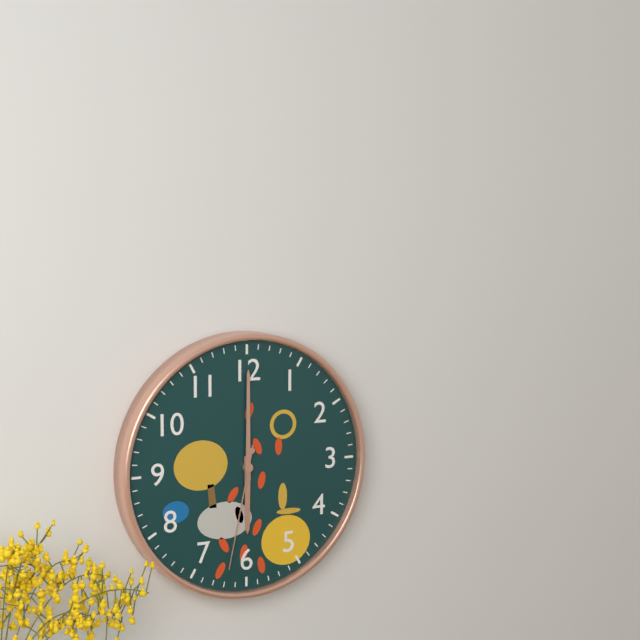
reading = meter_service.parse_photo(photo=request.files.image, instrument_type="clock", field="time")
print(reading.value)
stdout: 6:00:32
